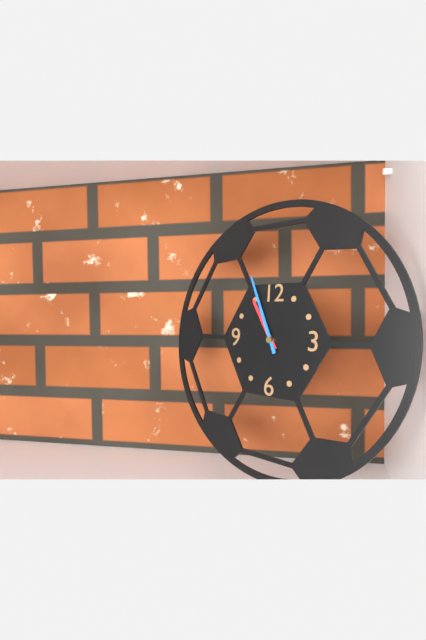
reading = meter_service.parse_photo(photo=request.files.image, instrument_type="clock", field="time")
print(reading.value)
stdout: 10:56
